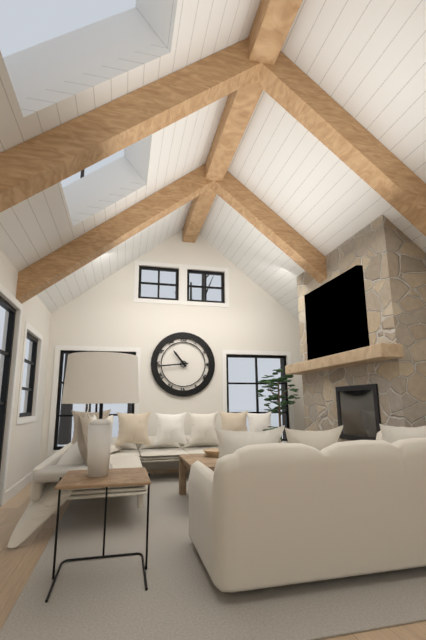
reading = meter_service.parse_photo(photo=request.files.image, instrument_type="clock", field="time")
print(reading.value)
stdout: 10:44
